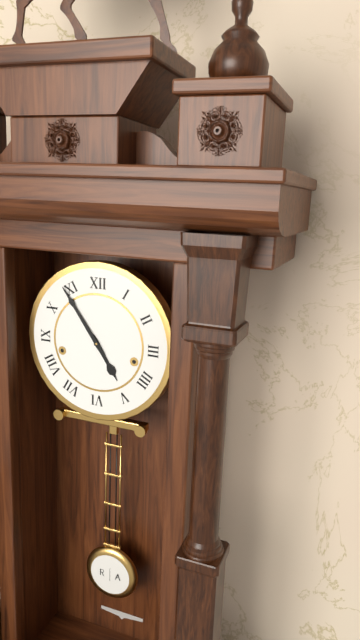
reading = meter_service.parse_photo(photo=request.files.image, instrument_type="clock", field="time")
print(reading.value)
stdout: 4:54
